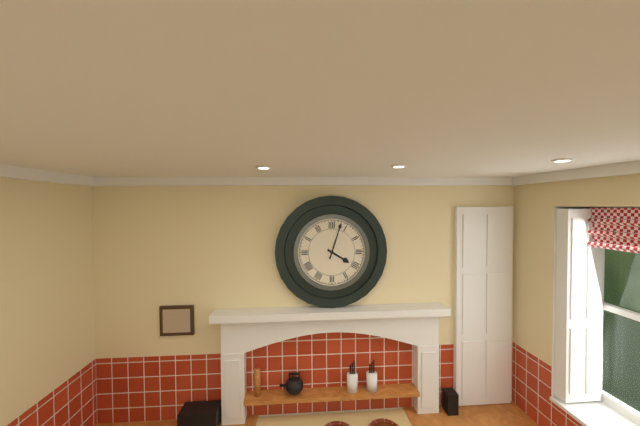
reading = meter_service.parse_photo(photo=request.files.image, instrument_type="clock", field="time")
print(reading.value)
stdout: 4:03
